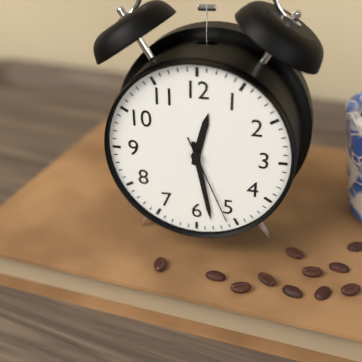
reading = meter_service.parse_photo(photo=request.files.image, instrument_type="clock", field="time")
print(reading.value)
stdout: 12:28:26
